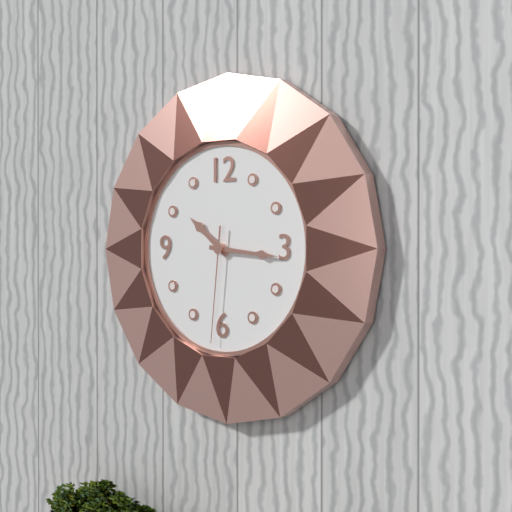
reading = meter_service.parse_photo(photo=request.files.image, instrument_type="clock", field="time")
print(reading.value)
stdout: 10:16:31
